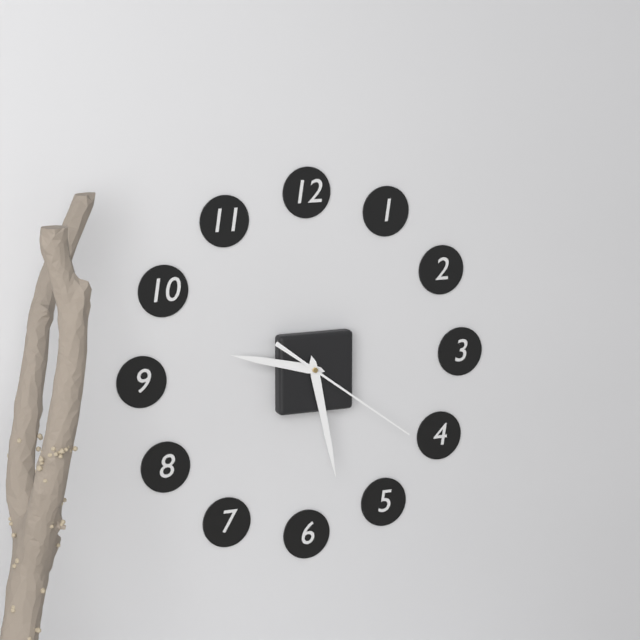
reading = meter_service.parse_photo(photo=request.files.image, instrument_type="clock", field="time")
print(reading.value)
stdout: 9:28:21
